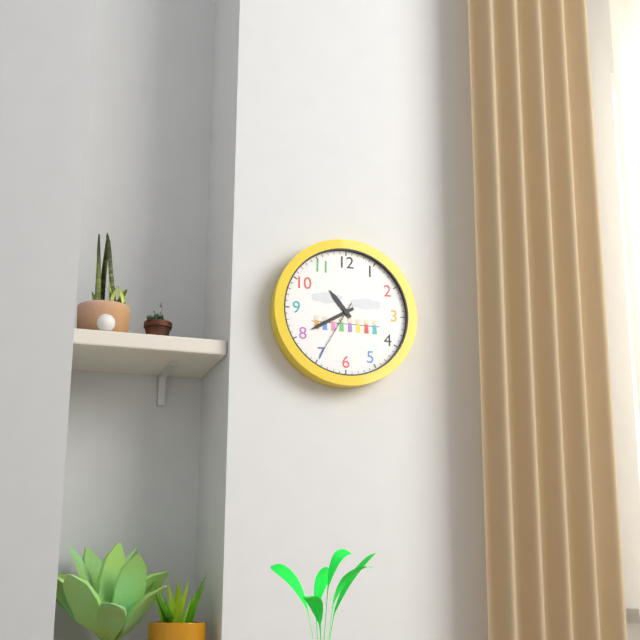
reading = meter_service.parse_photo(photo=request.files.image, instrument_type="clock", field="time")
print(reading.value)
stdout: 10:40:35
